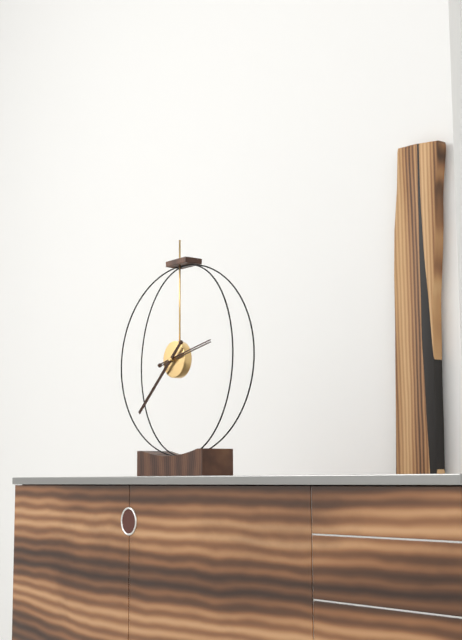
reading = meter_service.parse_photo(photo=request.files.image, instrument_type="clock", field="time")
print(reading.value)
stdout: 2:38
